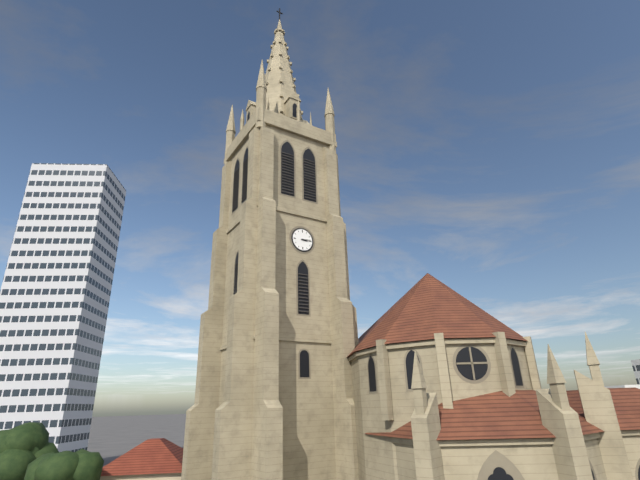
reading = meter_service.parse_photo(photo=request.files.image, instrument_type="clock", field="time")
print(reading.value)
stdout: 3:14
